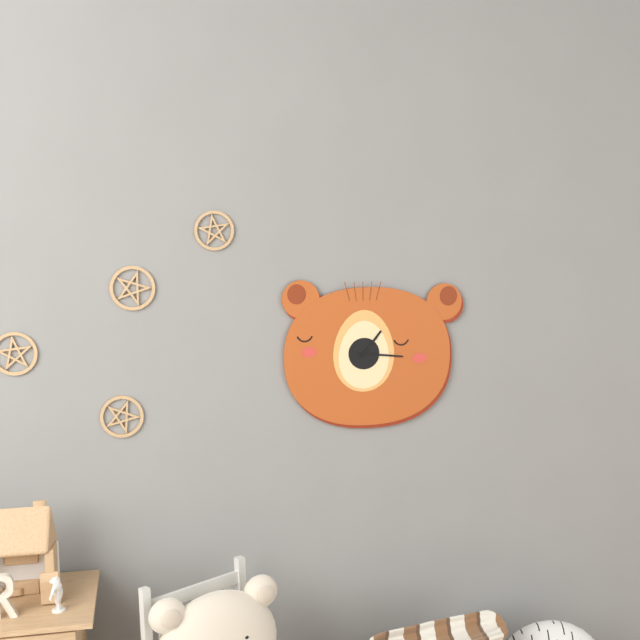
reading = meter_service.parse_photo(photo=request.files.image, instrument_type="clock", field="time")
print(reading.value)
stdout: 1:16
